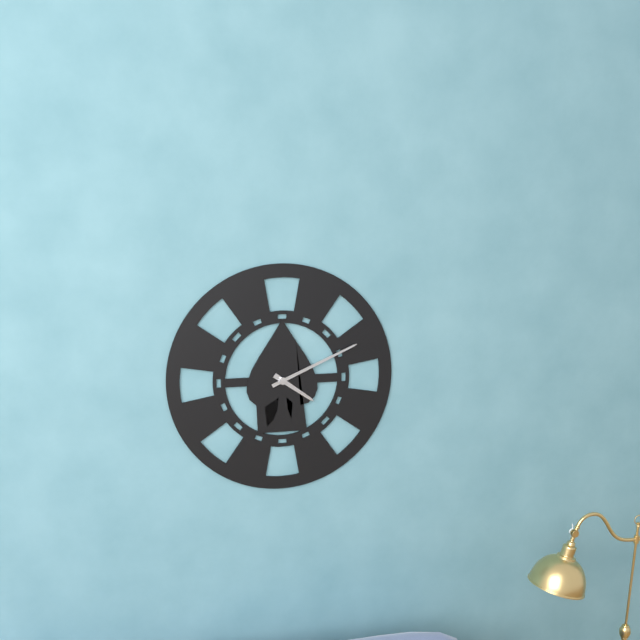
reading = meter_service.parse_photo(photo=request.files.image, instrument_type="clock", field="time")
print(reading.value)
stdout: 4:11
